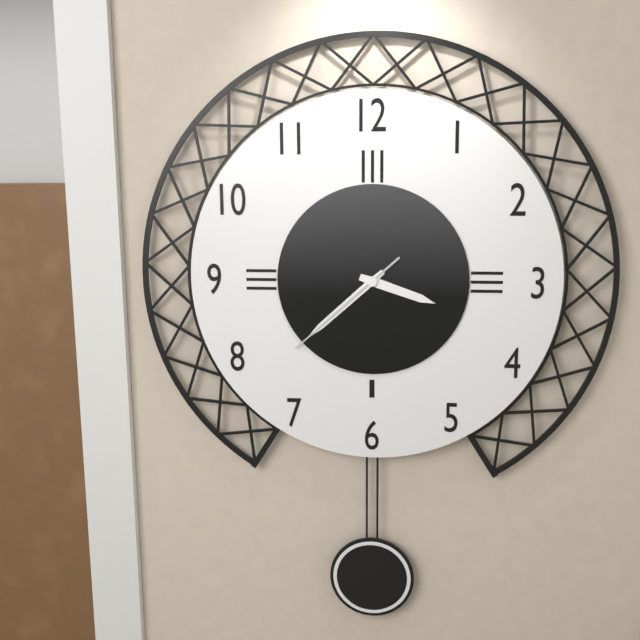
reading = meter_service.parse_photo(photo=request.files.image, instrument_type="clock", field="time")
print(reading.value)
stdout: 3:38:38
